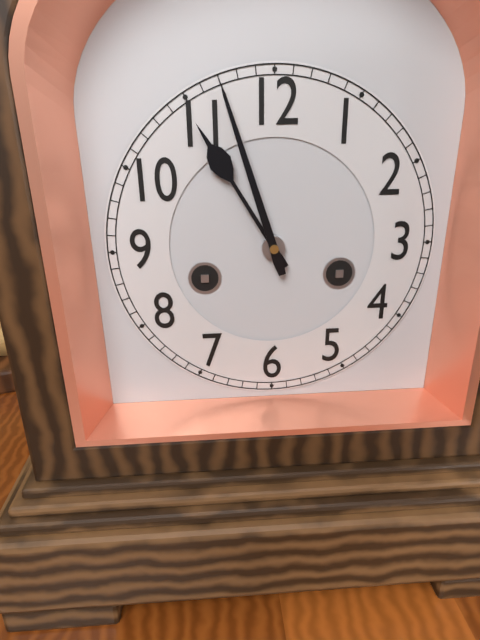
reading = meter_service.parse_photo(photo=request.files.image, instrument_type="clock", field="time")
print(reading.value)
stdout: 10:57
